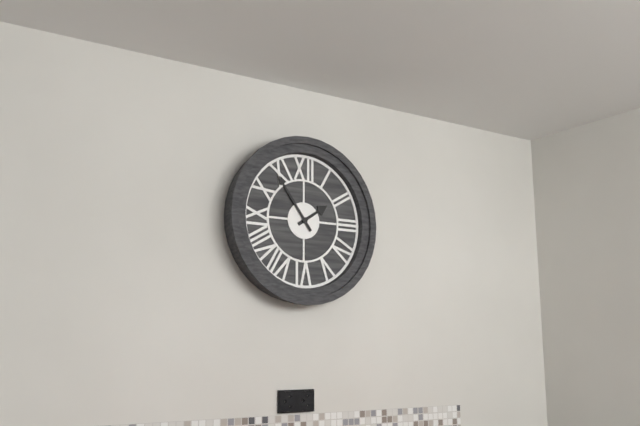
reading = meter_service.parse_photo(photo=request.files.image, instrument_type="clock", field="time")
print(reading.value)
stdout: 1:54
